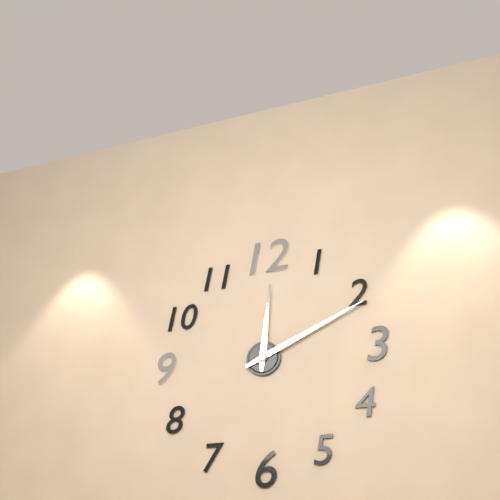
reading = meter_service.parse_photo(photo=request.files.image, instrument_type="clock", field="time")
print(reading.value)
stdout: 12:11
